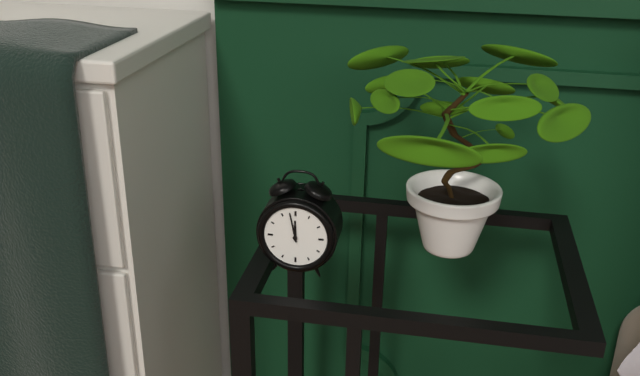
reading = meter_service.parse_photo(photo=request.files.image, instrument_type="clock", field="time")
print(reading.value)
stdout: 11:58
